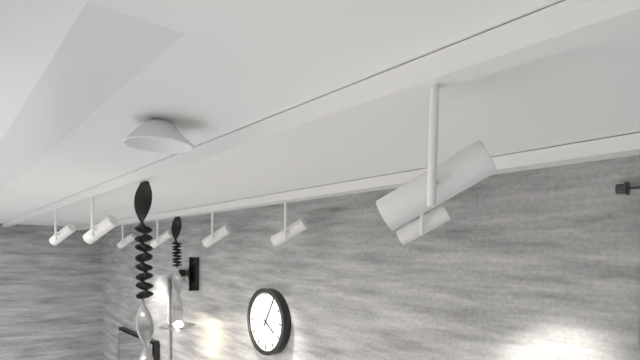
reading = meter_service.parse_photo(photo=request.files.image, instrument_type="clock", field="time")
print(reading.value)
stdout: 4:05
